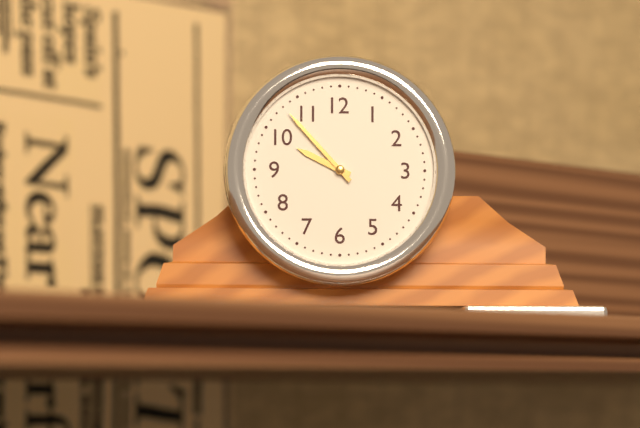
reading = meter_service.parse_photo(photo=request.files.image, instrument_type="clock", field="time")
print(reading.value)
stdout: 9:53
